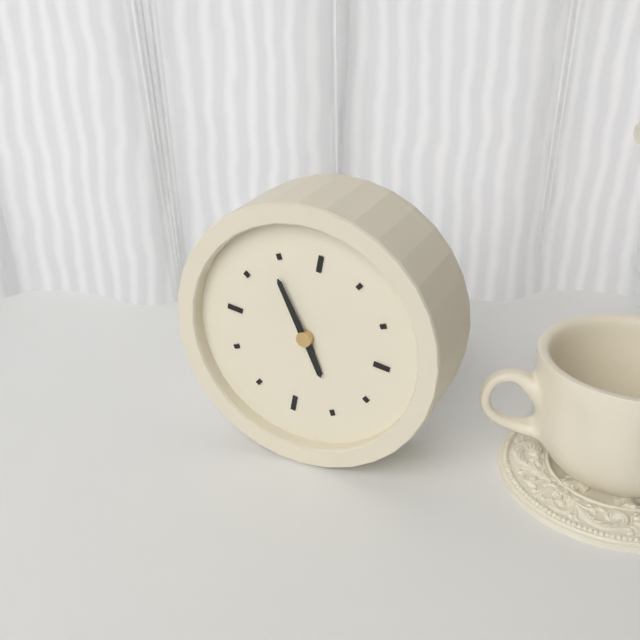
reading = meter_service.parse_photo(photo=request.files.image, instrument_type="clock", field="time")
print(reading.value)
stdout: 4:54
